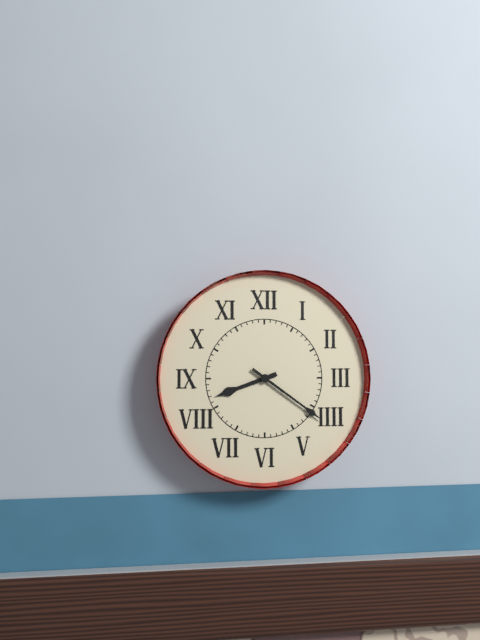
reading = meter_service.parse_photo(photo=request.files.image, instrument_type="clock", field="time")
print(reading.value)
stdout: 8:21
